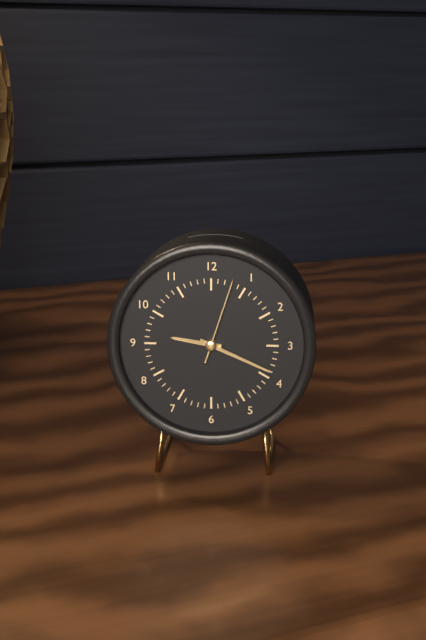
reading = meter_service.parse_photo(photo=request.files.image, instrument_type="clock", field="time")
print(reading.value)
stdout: 9:19:03
